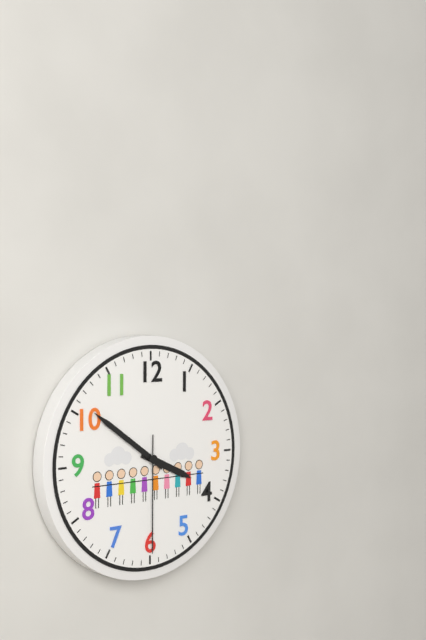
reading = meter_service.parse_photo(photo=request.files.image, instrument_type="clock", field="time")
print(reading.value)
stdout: 3:51:30
